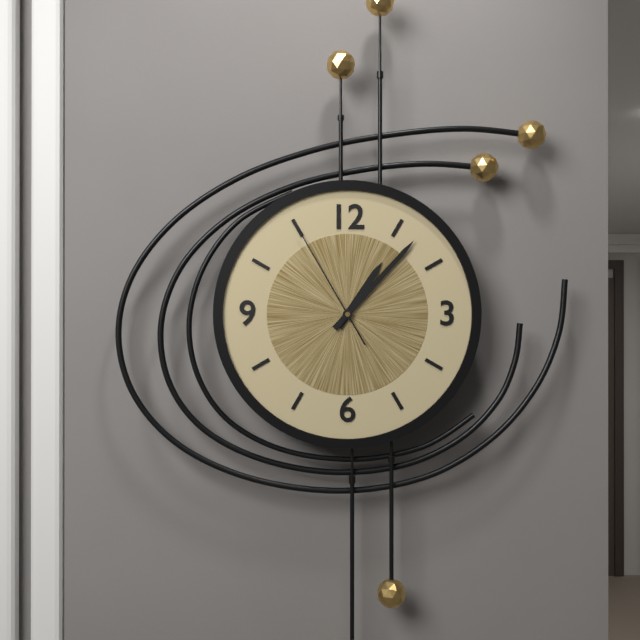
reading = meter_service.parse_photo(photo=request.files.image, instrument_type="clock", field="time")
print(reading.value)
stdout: 1:07:55
